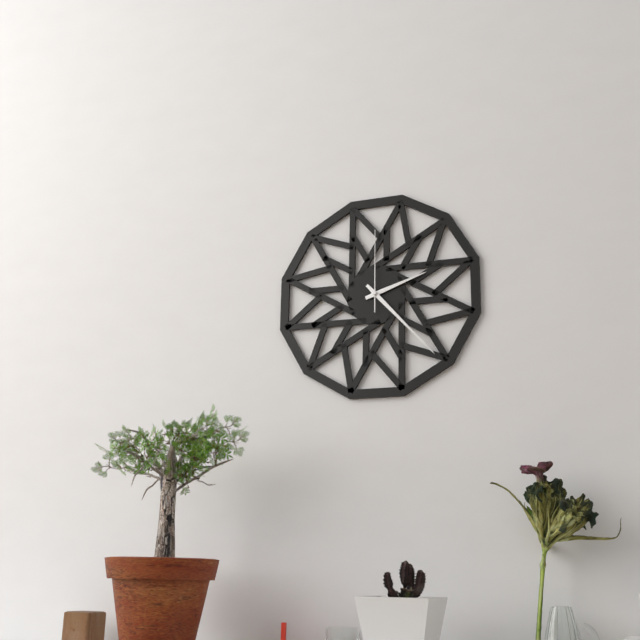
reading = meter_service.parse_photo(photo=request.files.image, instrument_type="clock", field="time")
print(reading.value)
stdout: 2:23:00
